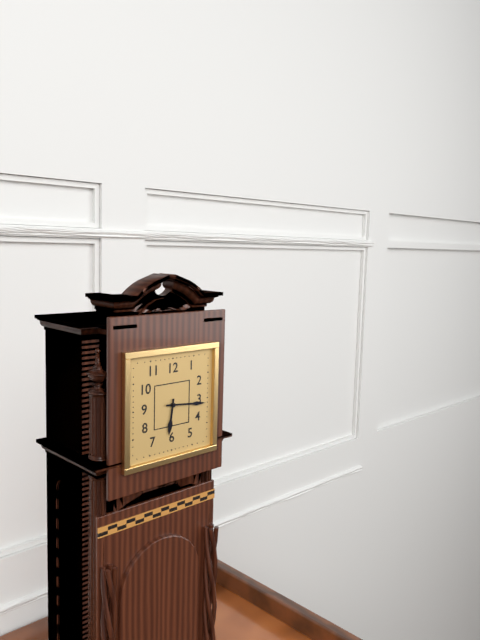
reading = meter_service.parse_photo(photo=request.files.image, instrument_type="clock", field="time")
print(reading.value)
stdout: 6:16
